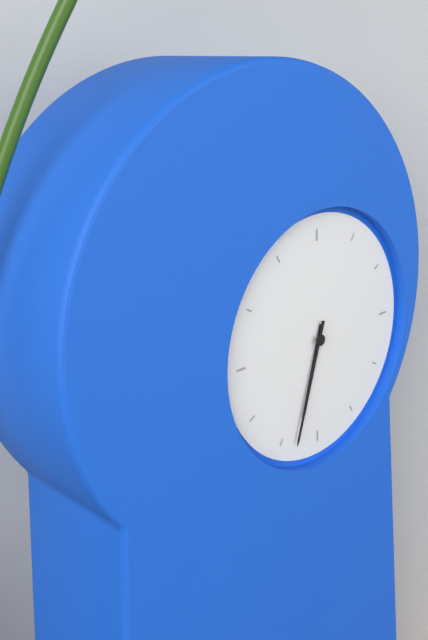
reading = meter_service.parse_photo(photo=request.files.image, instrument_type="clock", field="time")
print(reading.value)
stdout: 6:33
